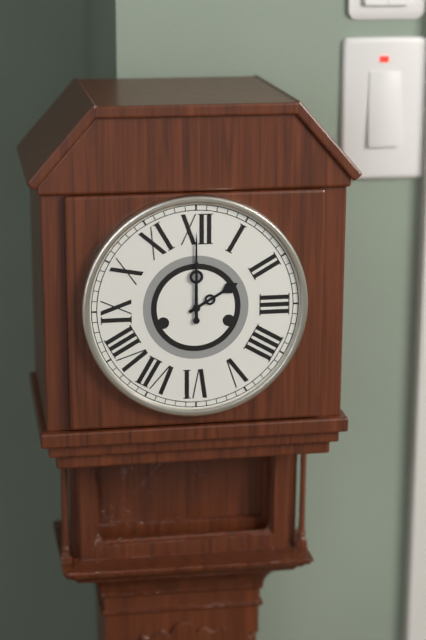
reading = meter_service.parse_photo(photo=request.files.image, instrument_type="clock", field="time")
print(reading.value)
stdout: 2:00
